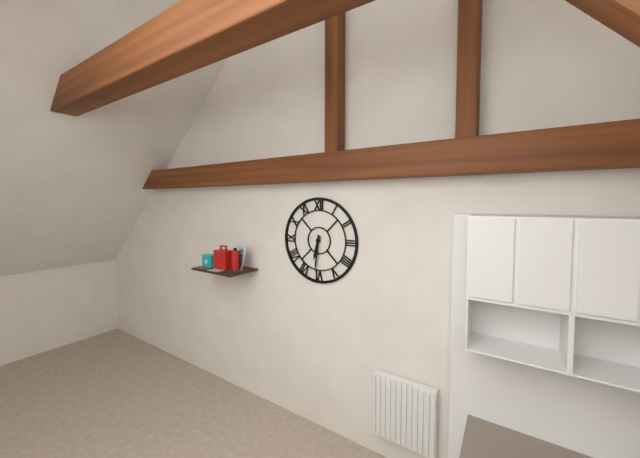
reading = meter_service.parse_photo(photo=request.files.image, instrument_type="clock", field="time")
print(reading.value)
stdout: 6:31
